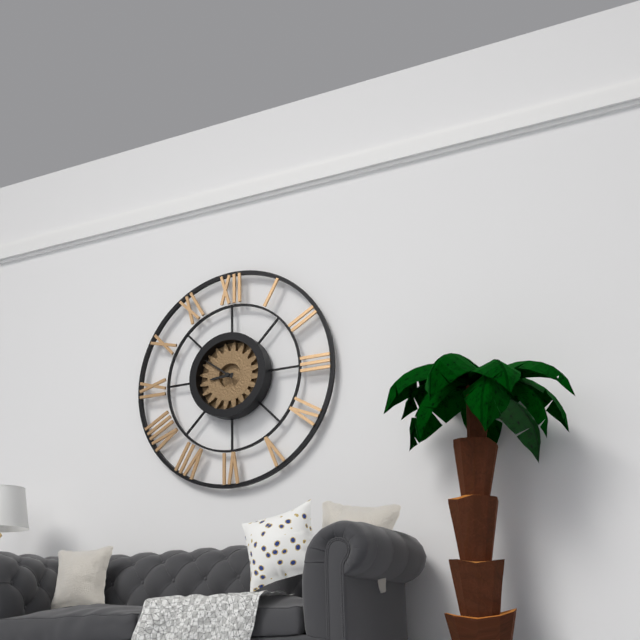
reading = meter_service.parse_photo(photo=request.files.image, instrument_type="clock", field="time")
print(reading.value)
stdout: 8:51
